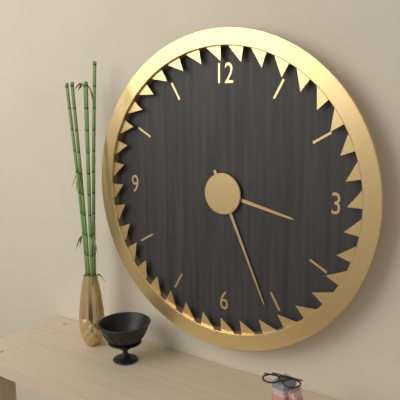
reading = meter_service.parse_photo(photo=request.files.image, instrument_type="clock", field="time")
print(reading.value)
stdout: 3:26
